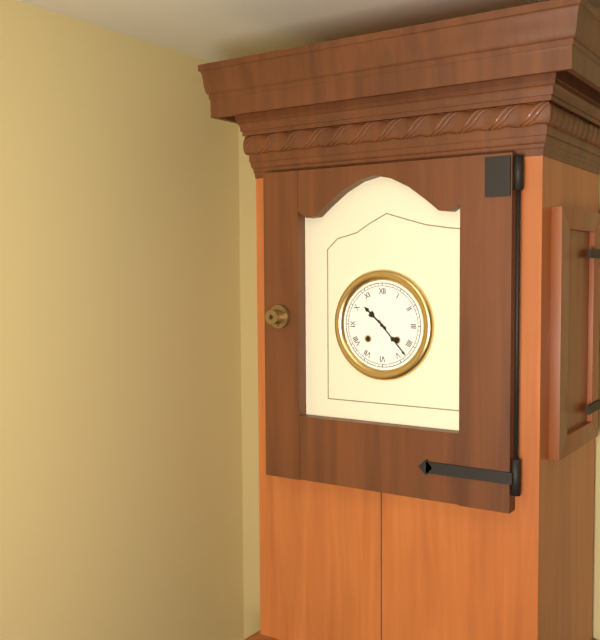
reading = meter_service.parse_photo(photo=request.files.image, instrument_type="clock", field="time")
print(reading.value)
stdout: 10:23
